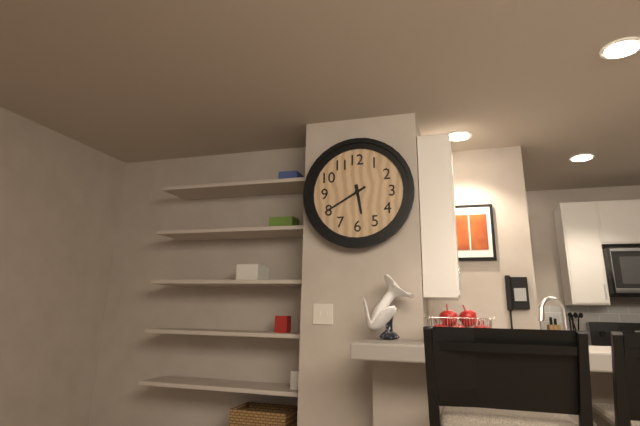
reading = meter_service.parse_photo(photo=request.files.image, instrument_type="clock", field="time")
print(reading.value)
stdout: 5:40
